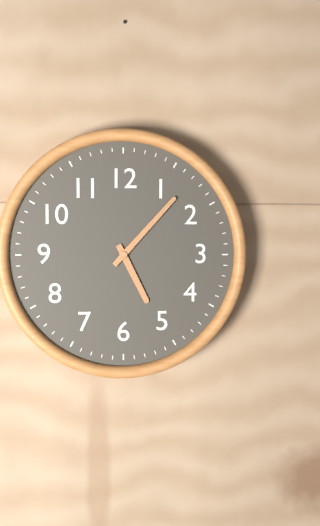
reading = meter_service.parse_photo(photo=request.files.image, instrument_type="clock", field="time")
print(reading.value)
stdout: 5:07
